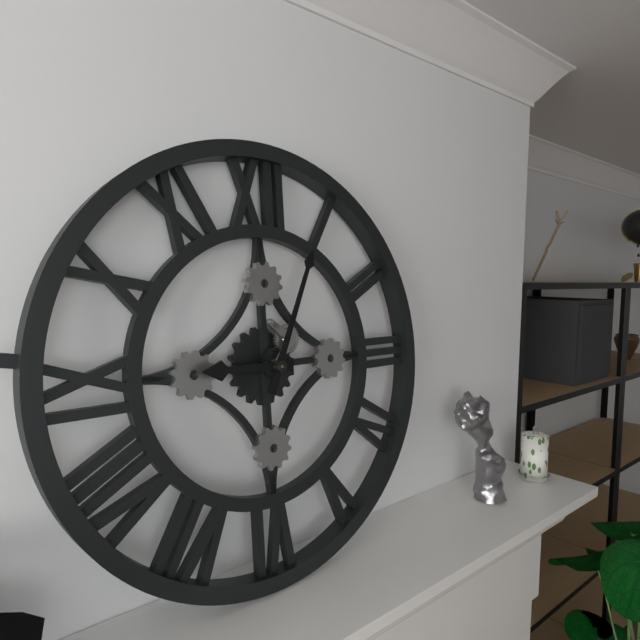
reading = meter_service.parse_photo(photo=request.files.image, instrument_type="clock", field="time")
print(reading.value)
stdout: 9:04
